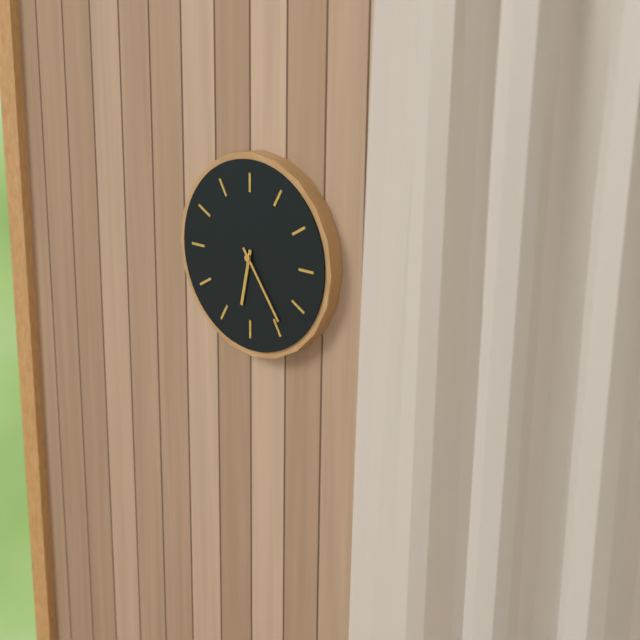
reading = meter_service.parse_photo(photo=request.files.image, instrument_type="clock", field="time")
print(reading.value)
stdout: 6:24
